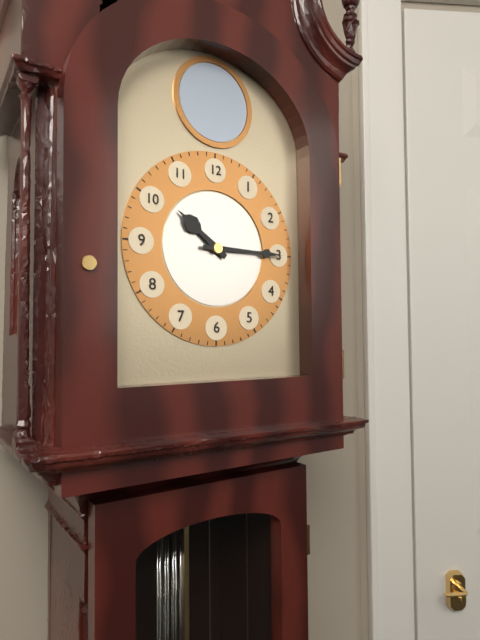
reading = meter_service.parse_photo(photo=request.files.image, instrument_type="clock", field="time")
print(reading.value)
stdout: 10:15
